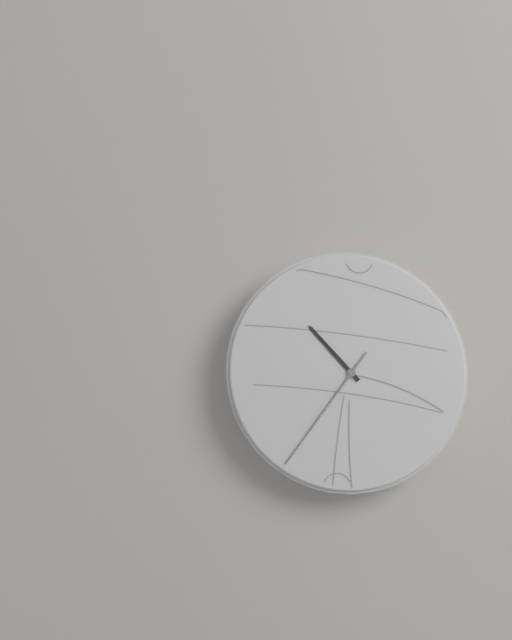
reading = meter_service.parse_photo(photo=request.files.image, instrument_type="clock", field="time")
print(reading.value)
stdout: 10:36
